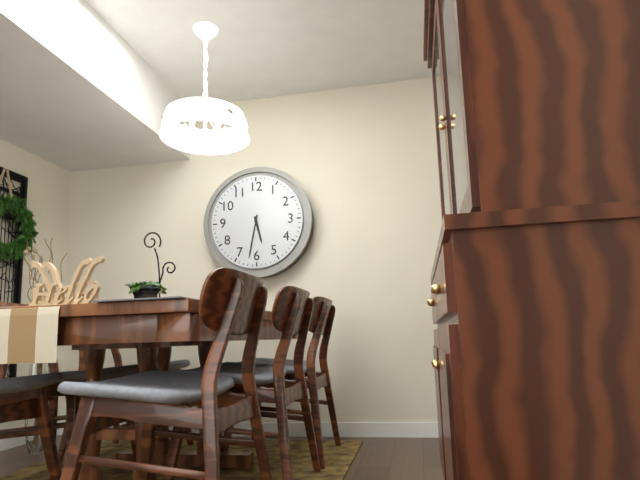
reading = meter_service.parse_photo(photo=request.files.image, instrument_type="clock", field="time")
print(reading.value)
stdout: 5:32
